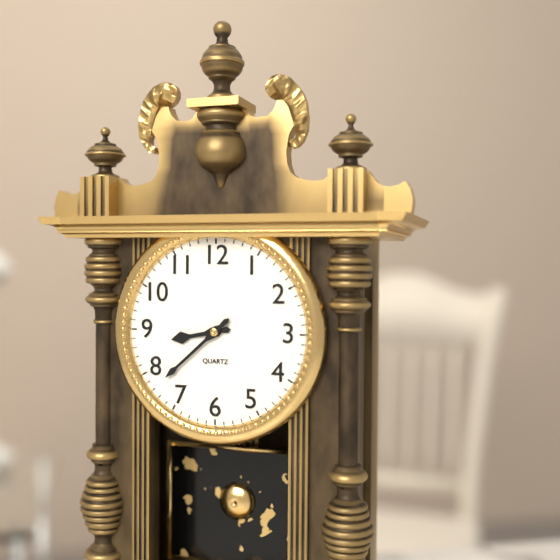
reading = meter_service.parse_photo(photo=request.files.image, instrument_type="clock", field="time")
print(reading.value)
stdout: 8:38
